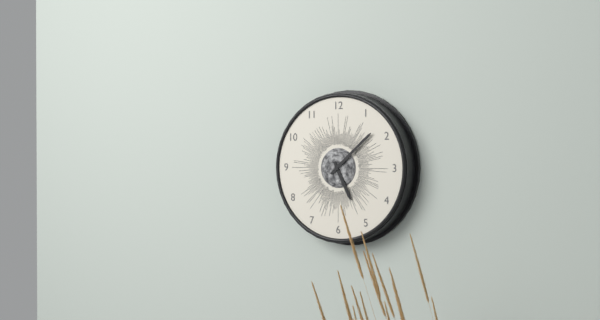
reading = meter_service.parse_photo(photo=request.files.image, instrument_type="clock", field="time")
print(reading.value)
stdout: 5:08
